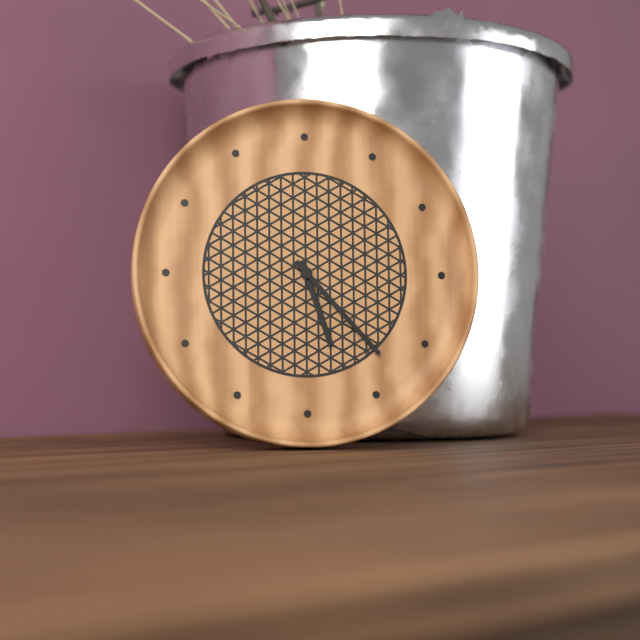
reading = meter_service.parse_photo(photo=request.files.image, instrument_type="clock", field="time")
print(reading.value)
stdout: 5:23
